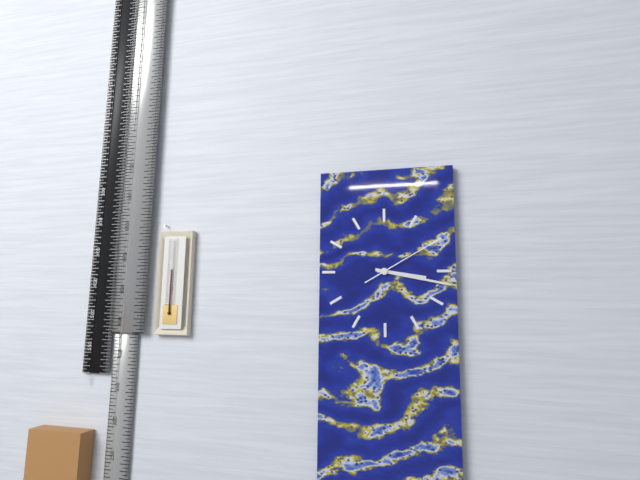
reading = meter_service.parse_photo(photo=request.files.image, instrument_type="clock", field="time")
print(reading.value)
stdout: 3:17:10
